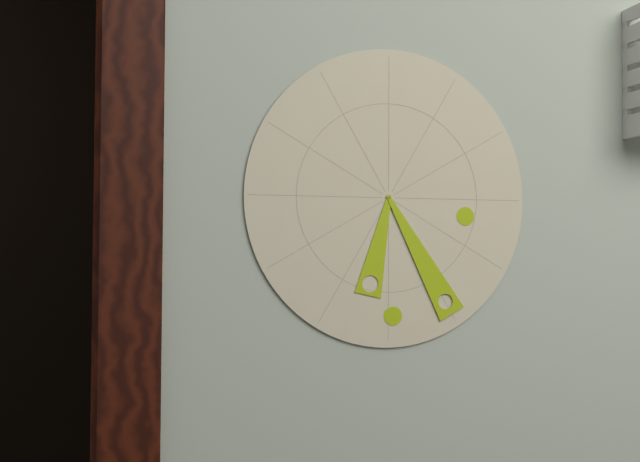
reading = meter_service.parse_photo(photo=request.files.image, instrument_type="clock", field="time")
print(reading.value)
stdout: 6:25
